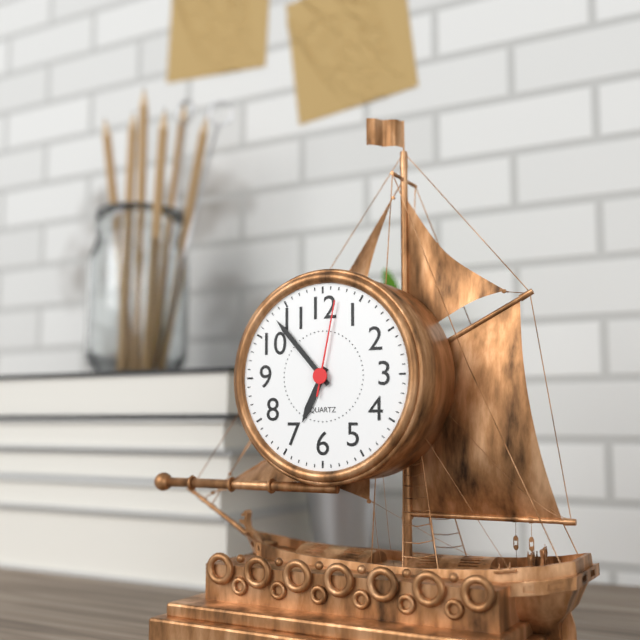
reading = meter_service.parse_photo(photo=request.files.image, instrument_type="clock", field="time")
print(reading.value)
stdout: 6:53:02
